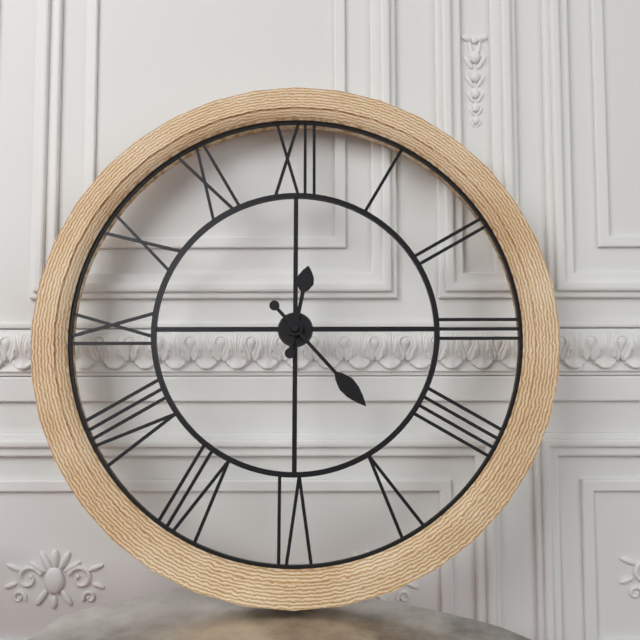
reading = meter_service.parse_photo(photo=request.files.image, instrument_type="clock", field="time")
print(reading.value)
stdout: 12:23
